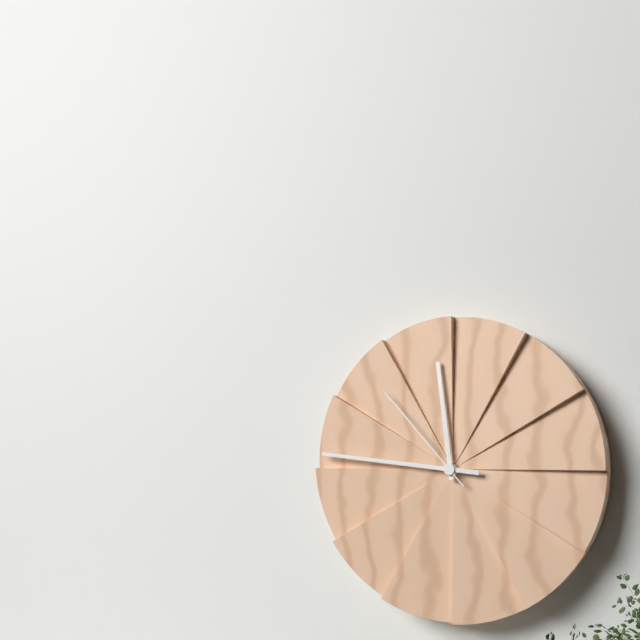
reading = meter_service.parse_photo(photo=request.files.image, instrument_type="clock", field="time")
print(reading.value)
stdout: 11:46:53
